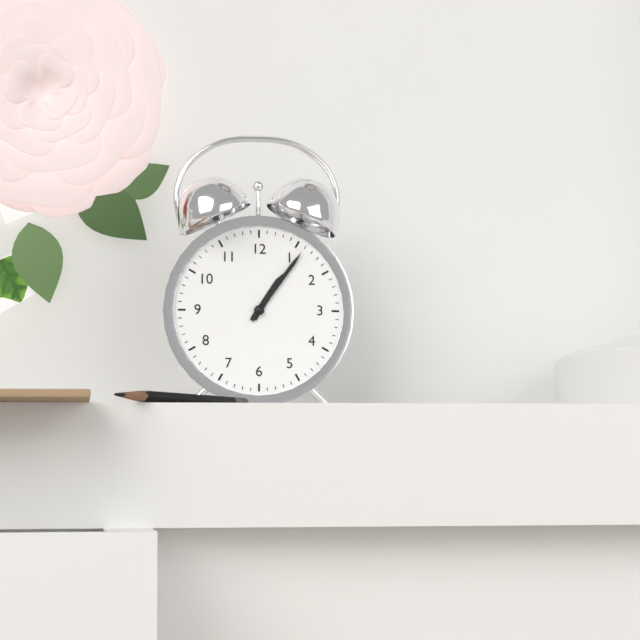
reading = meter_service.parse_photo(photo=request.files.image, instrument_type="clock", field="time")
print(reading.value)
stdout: 1:06
